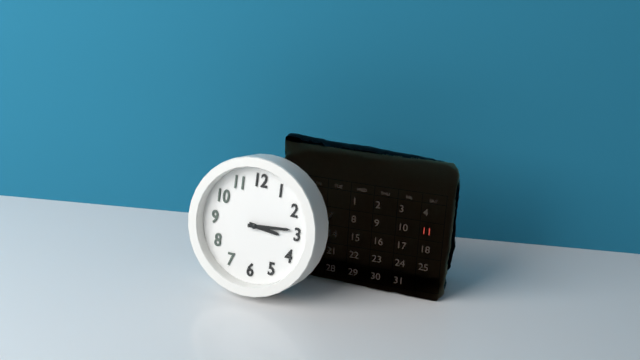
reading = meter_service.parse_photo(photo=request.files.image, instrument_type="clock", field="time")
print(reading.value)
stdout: 3:14
